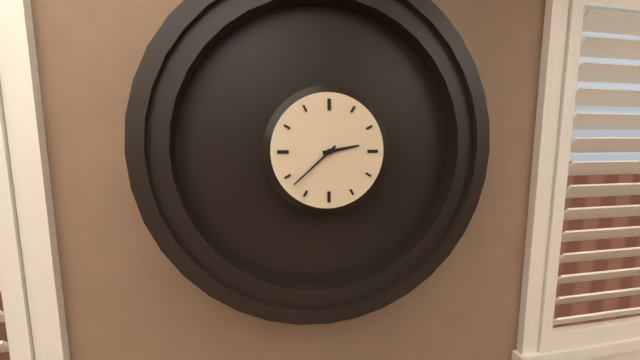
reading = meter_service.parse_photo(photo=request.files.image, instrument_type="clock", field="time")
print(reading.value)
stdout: 2:38
